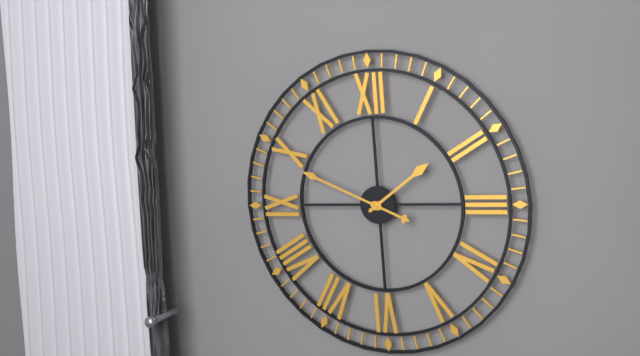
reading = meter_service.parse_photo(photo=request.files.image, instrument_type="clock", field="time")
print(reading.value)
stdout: 1:49
